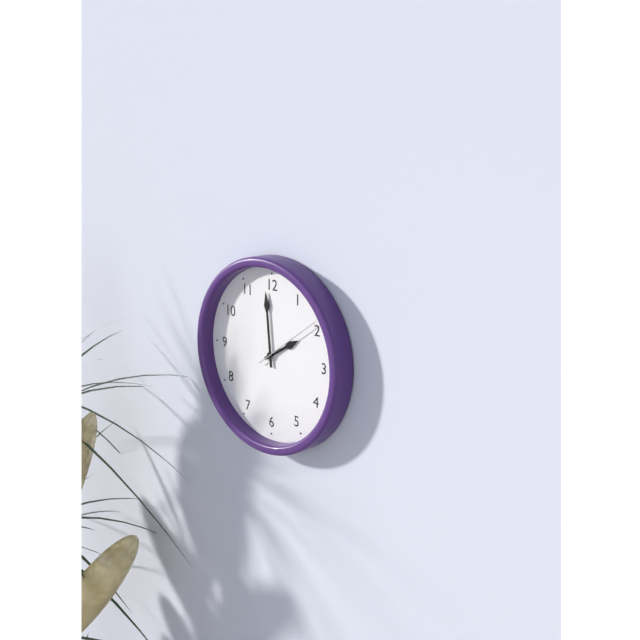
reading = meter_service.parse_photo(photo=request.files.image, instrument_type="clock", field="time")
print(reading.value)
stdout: 1:59:09
